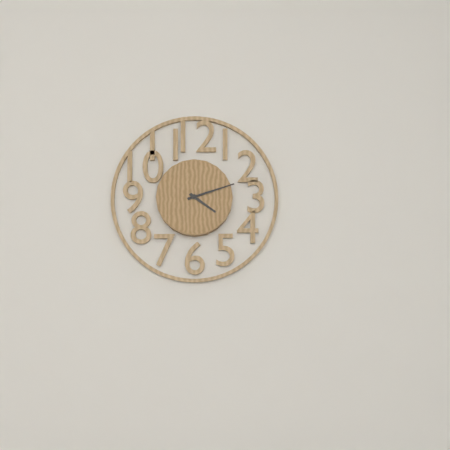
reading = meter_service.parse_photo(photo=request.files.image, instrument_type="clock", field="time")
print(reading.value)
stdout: 4:12
